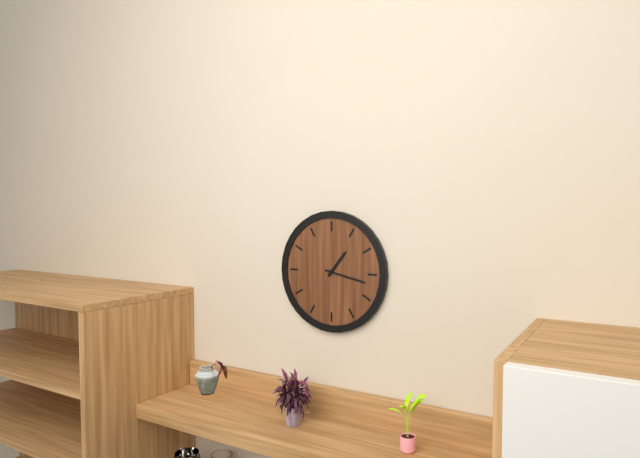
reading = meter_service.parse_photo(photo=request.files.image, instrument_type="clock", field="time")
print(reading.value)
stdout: 1:17
